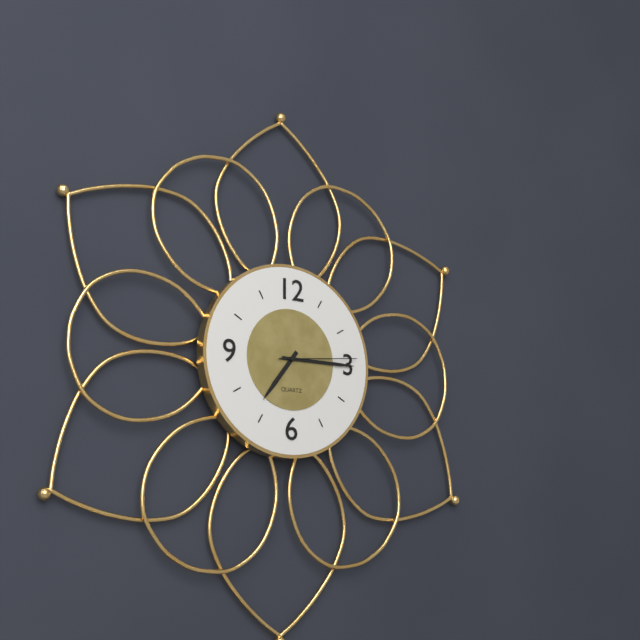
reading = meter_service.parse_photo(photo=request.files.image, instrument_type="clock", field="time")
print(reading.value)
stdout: 7:15:14
